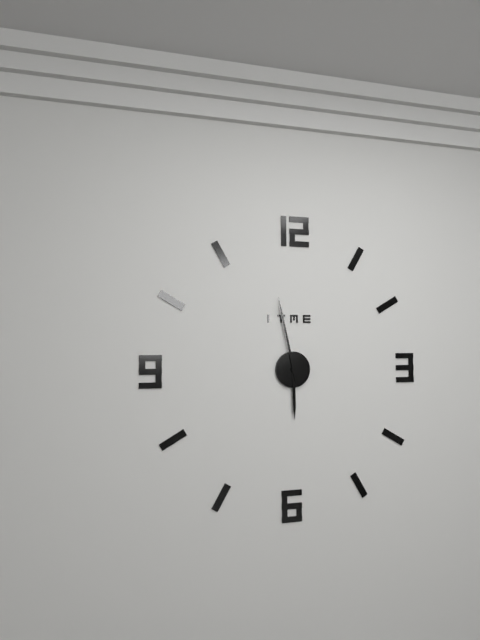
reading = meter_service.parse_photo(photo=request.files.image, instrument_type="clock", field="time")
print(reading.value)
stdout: 5:58
